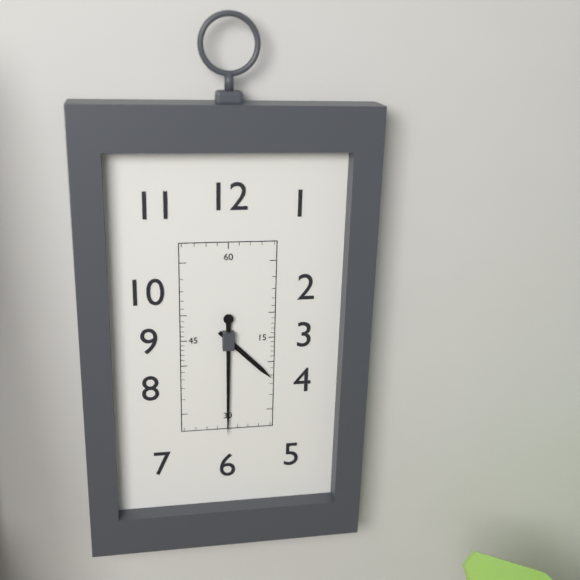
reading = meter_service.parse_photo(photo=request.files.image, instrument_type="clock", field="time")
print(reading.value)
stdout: 4:30
